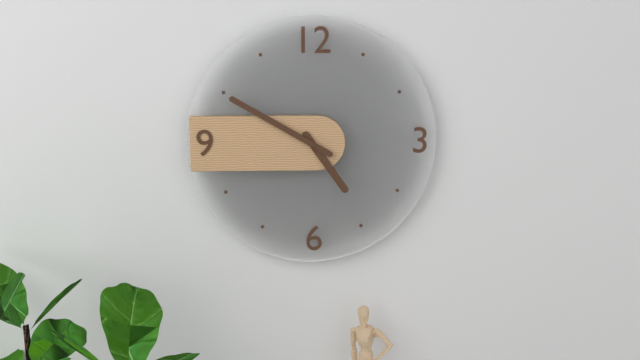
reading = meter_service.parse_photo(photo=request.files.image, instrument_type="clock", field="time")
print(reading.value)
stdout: 4:50
